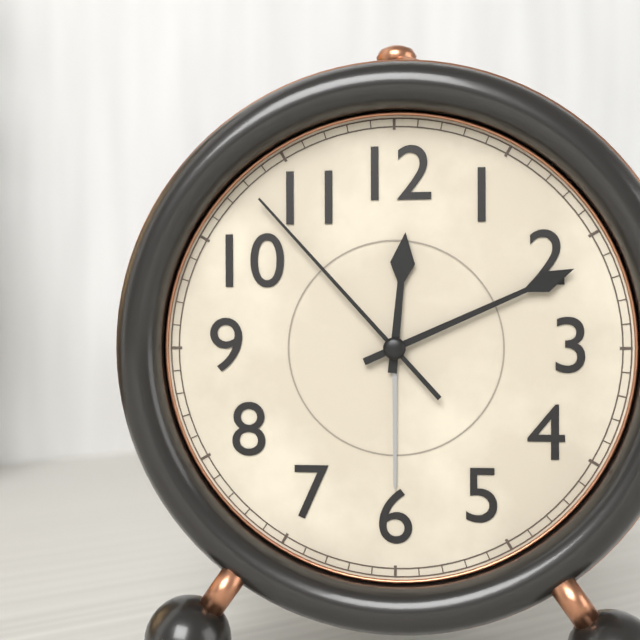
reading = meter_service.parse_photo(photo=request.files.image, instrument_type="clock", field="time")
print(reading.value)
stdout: 12:11:53
